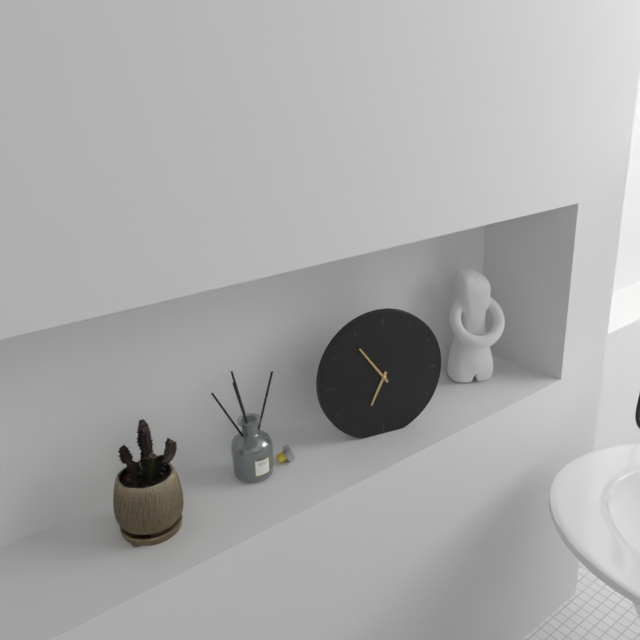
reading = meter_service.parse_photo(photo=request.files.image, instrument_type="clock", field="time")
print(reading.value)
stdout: 6:54
